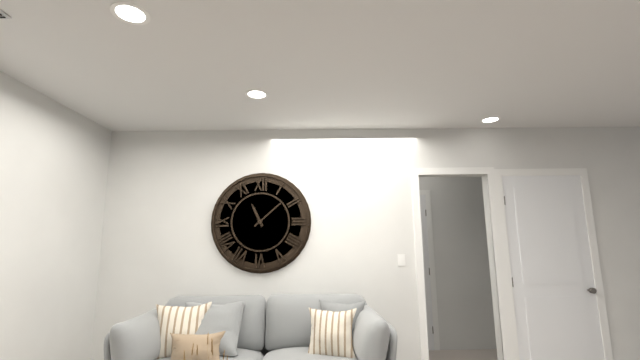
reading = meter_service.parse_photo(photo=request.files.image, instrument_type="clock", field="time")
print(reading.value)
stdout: 11:08
